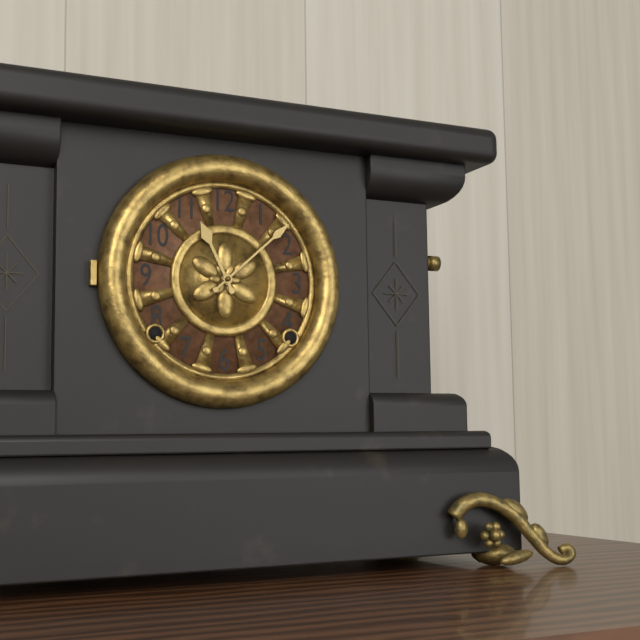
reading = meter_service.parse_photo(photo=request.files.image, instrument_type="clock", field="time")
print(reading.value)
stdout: 11:08
